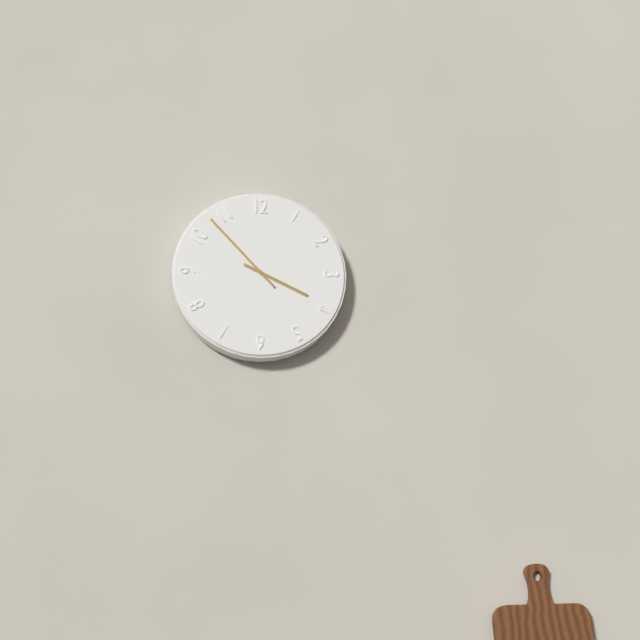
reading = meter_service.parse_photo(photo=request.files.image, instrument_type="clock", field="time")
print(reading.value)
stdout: 3:53
